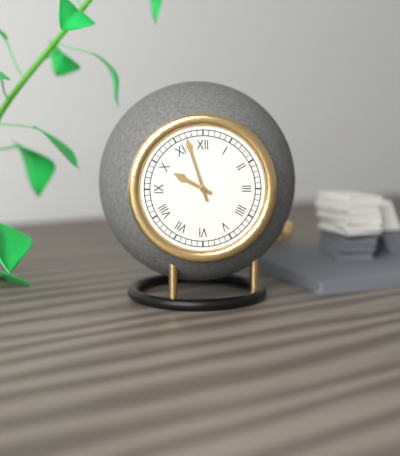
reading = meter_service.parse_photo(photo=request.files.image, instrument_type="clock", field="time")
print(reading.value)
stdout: 9:57
